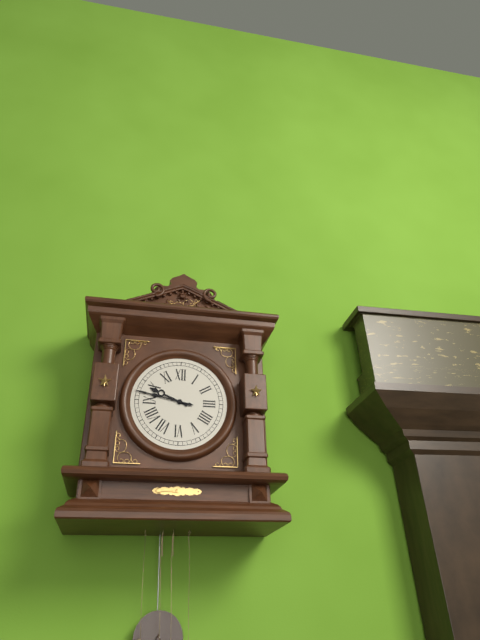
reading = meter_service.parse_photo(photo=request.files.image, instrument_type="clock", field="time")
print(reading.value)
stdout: 9:47
